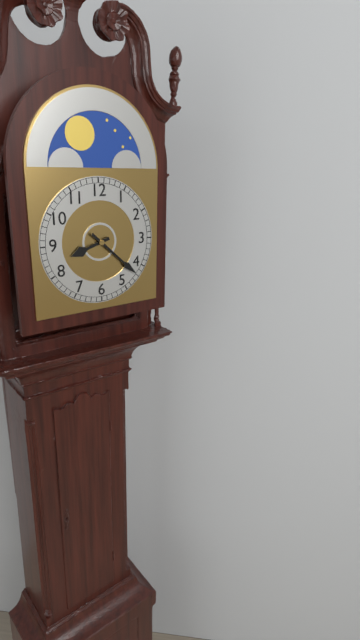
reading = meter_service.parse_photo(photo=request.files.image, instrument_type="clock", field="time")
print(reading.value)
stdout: 8:22
